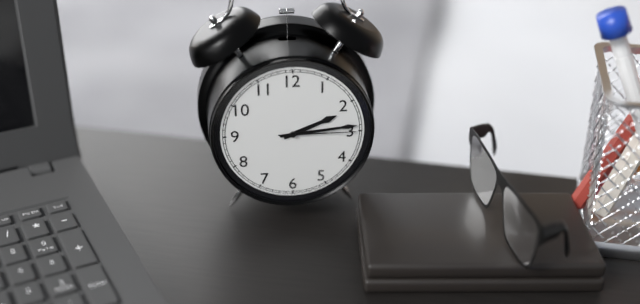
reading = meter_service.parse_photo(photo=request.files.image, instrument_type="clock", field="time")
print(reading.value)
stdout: 2:14:15
